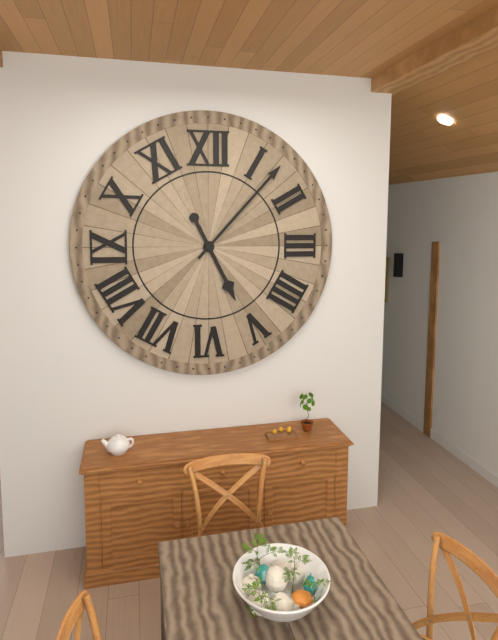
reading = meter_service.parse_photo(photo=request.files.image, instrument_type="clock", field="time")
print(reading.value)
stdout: 5:07
